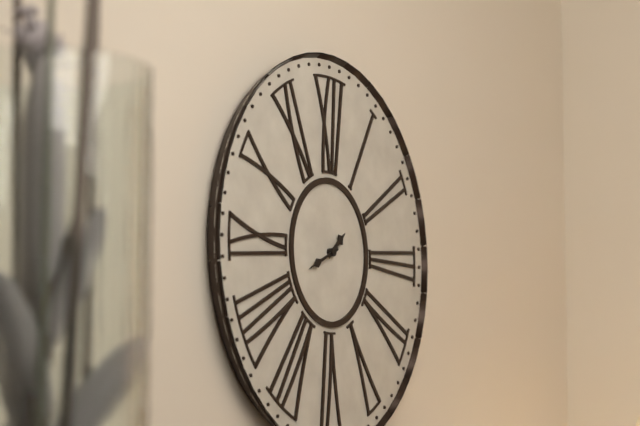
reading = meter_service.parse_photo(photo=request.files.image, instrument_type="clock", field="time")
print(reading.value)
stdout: 1:41
